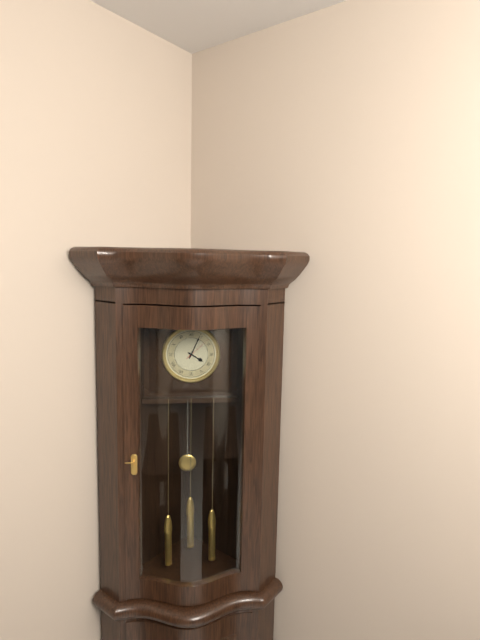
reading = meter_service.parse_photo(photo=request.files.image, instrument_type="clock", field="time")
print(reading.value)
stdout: 4:04
